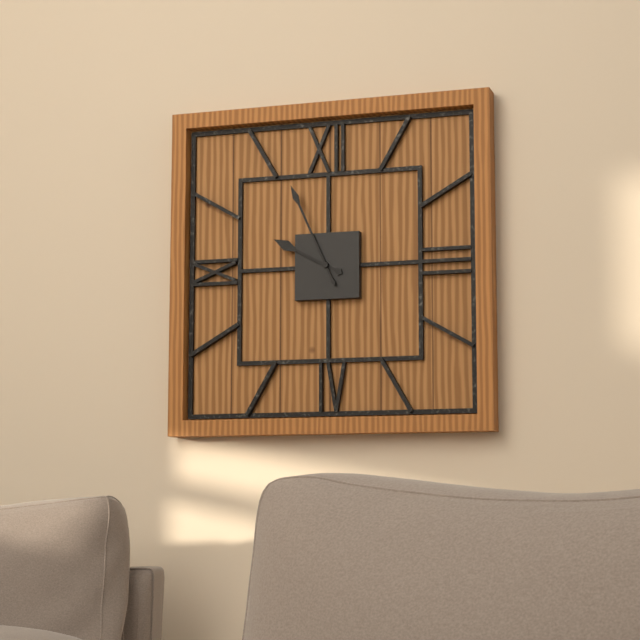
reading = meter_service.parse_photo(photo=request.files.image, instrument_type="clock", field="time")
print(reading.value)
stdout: 9:56
